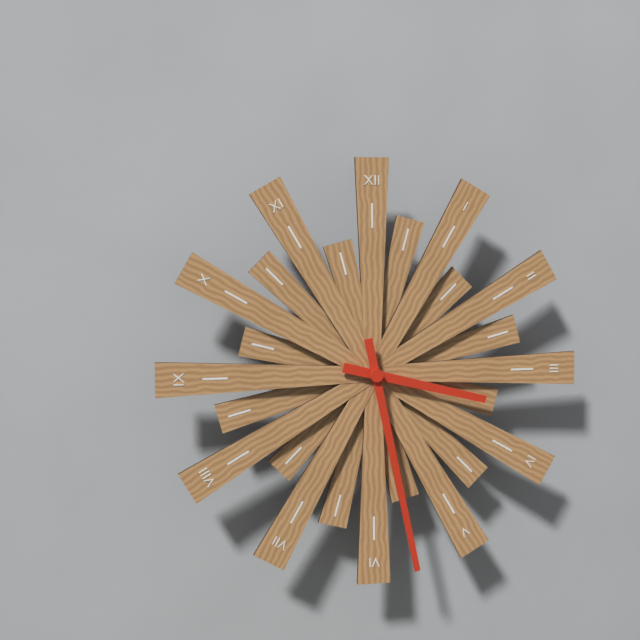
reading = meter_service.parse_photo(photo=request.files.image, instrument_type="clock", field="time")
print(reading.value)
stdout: 3:28
